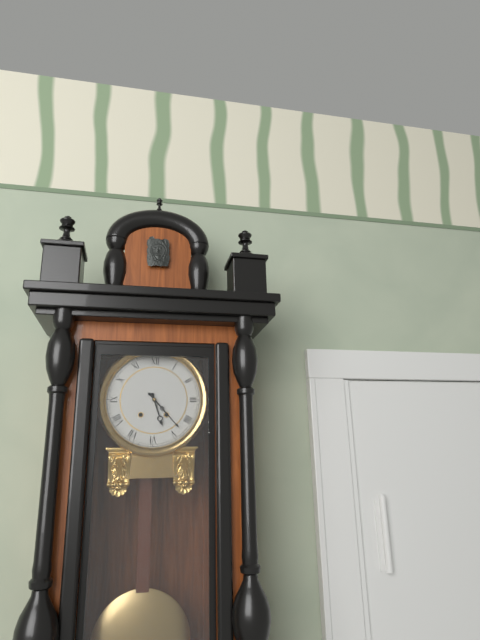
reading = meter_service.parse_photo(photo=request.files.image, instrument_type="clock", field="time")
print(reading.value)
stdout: 5:23
